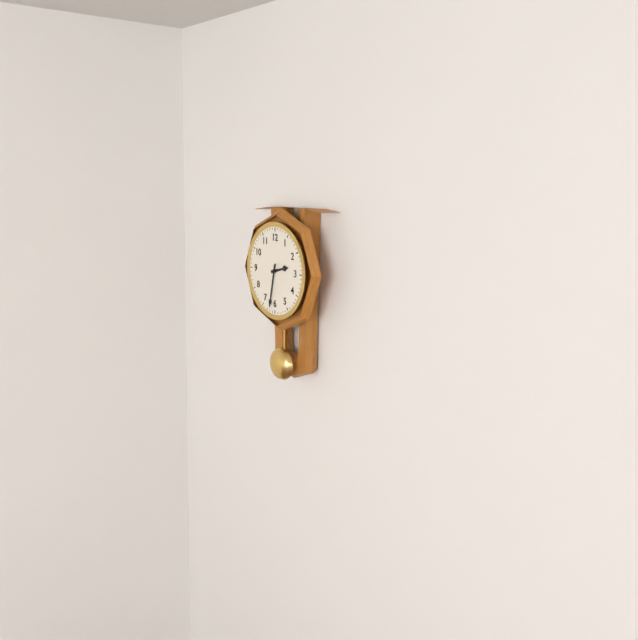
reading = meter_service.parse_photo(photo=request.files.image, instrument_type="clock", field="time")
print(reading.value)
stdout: 2:32
